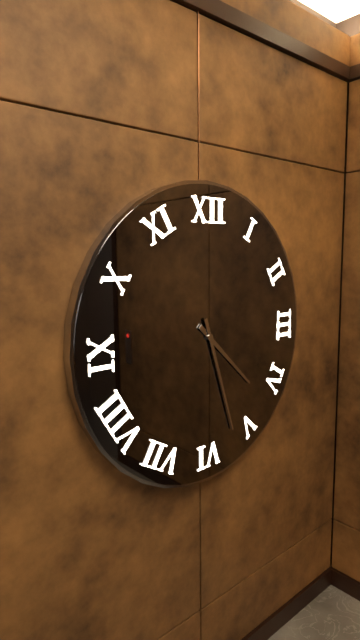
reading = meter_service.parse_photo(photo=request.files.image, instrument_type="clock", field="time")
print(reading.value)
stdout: 4:27
